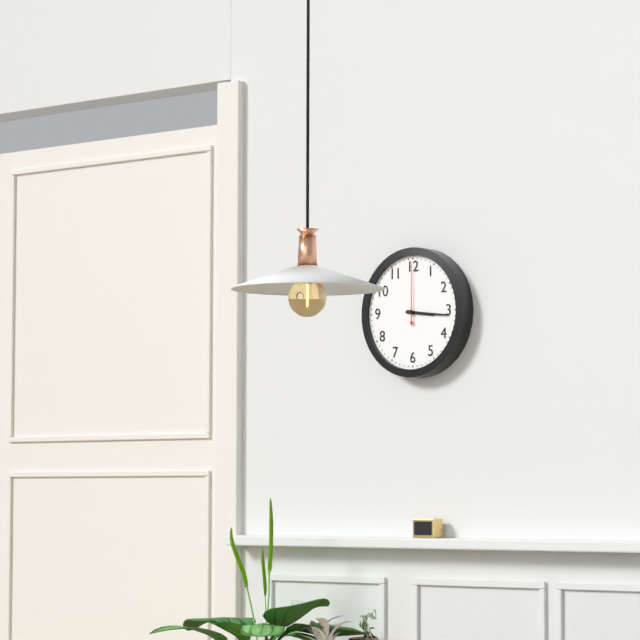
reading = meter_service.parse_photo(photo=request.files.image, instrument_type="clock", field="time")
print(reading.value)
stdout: 3:16:00
